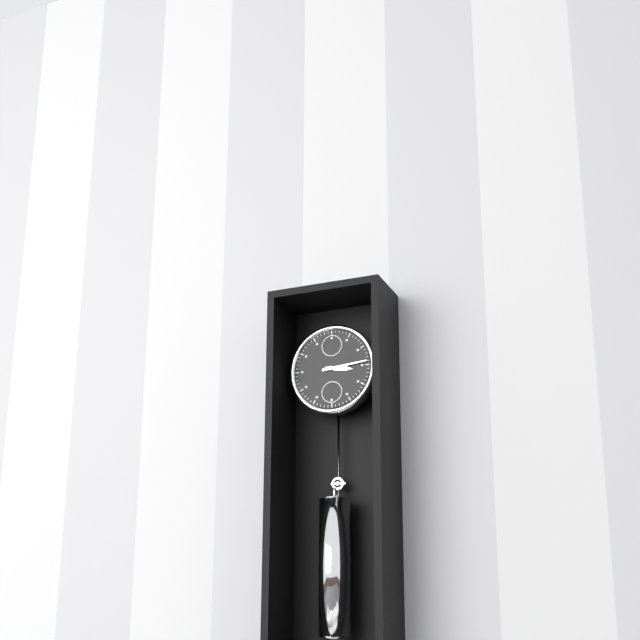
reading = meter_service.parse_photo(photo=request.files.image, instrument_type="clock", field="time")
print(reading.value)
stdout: 3:14
